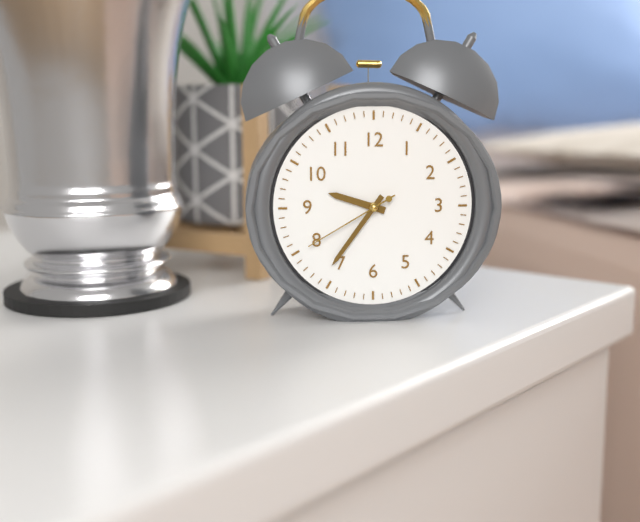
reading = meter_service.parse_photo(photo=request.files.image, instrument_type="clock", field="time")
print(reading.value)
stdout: 9:36:40
